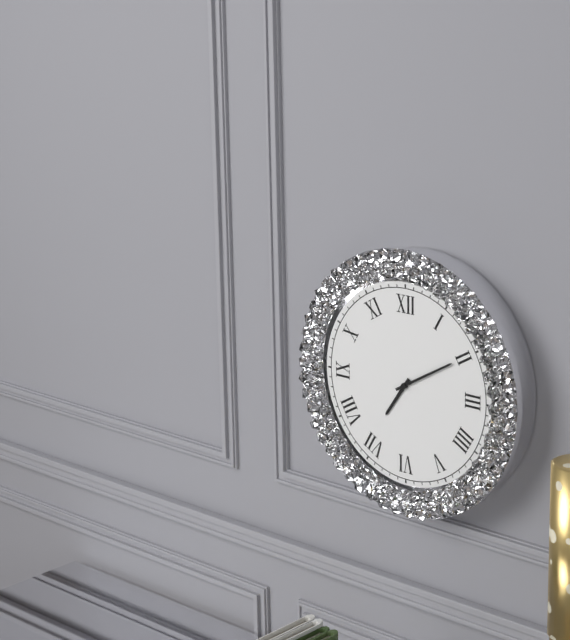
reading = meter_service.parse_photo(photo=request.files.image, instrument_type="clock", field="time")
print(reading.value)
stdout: 7:10
